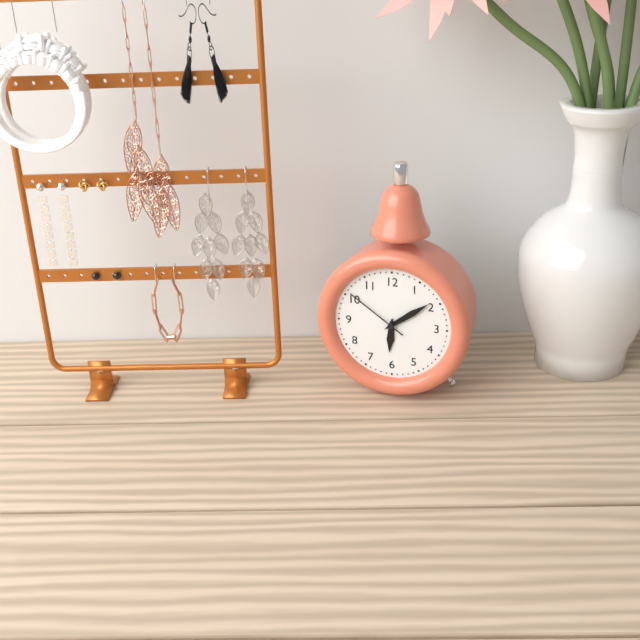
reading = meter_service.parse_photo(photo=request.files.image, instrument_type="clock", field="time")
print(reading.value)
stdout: 6:09:51
